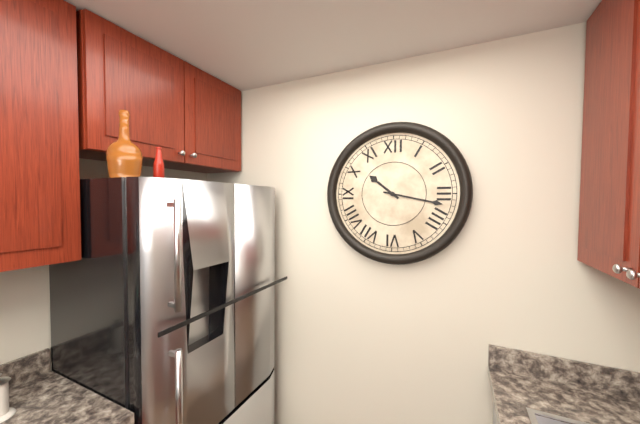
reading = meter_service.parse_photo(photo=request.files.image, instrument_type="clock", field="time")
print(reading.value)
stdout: 10:17
